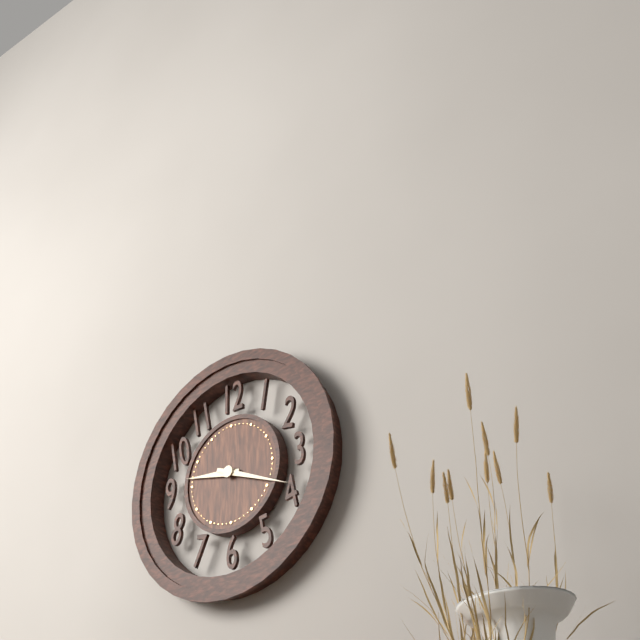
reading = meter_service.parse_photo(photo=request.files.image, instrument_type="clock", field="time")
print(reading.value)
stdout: 9:19
